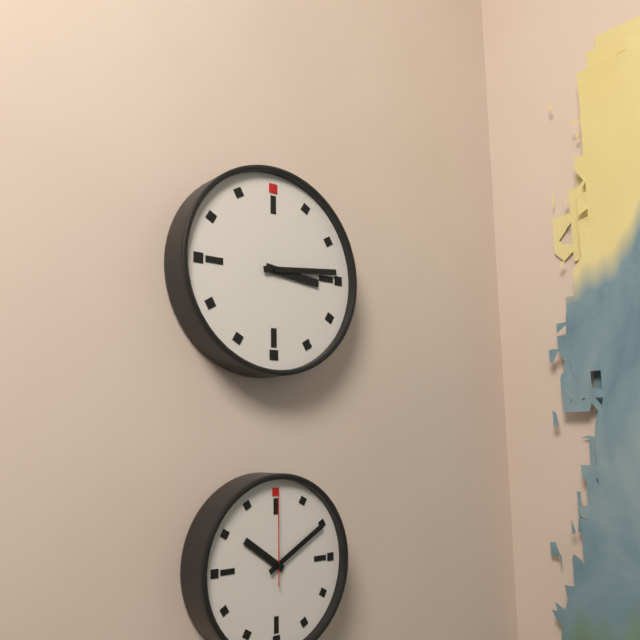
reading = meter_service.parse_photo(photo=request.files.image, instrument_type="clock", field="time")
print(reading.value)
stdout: 3:14
